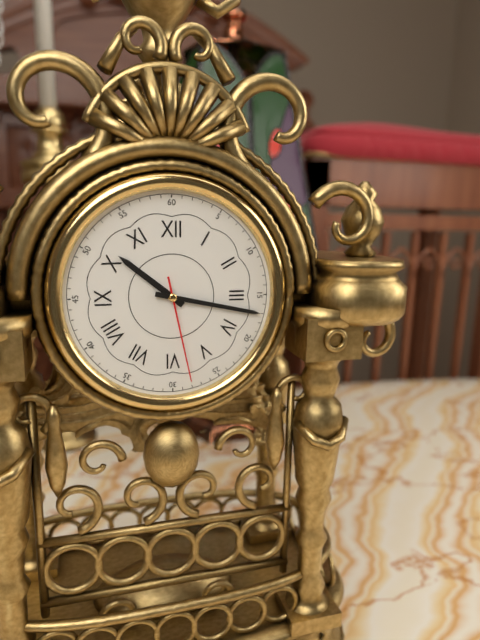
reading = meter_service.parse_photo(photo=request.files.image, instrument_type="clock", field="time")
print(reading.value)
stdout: 10:17:28
